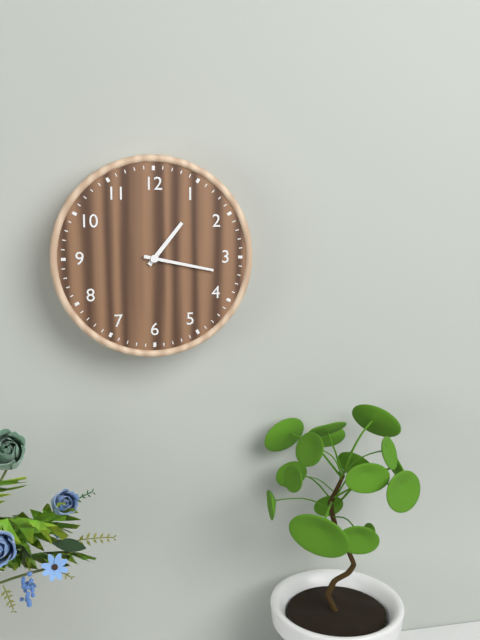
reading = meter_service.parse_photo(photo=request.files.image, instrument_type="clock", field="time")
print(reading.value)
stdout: 1:17
